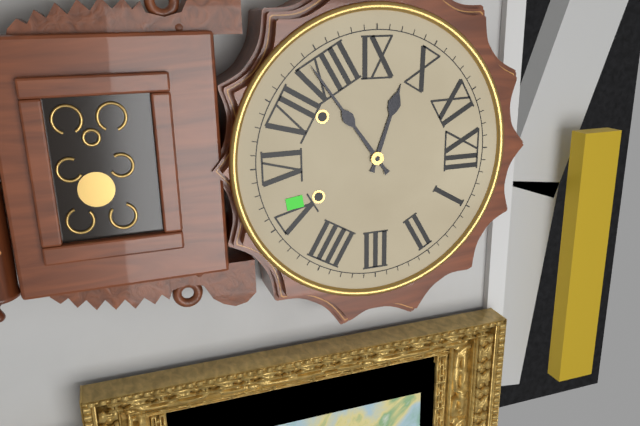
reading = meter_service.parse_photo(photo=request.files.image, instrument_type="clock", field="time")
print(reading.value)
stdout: 9:39
